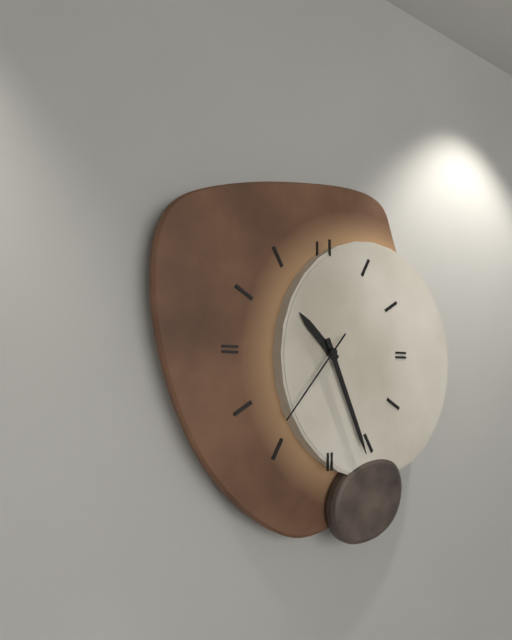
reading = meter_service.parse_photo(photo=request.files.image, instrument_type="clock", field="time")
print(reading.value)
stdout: 10:26:37
